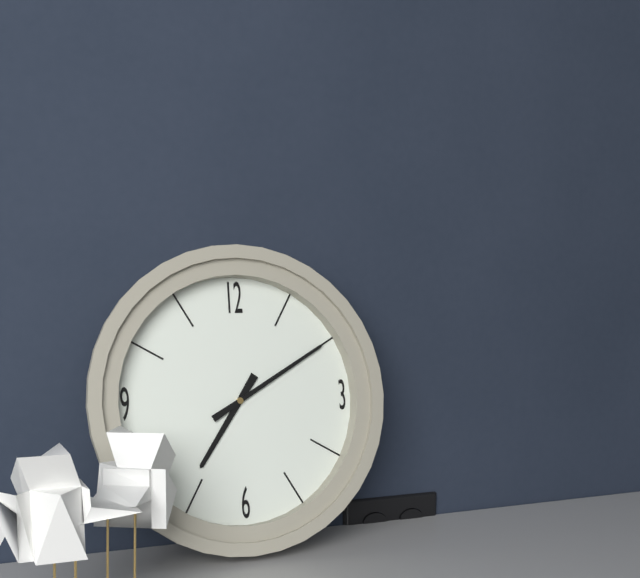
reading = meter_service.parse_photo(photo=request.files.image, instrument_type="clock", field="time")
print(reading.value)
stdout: 7:10
